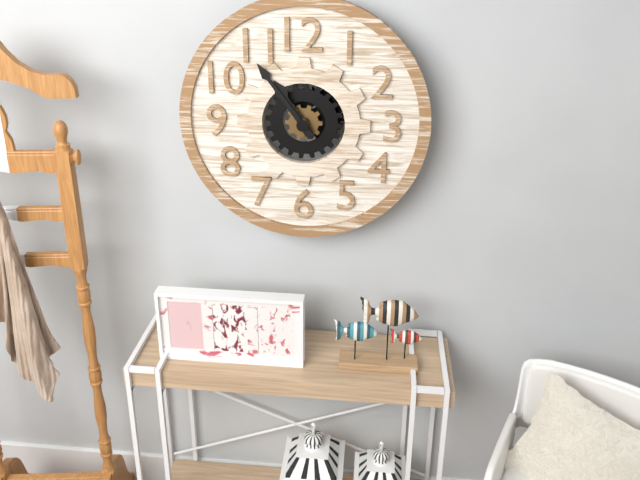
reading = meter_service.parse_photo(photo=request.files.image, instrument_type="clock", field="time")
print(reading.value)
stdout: 10:54
